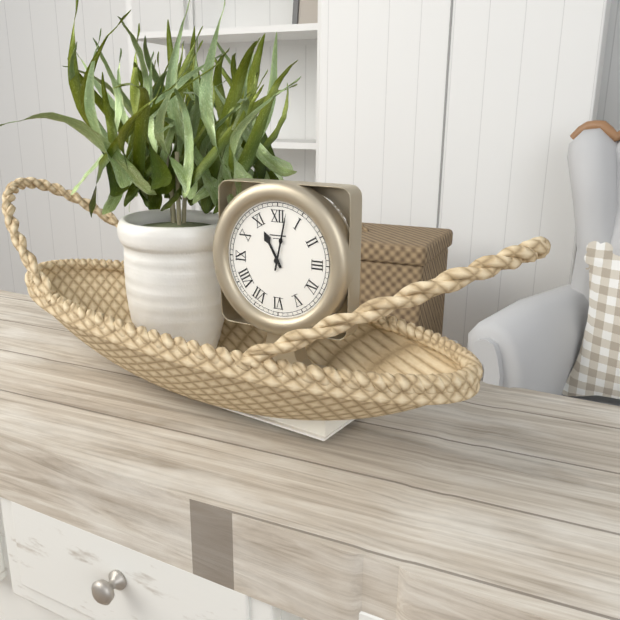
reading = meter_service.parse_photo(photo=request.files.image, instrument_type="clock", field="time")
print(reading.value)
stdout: 11:02
